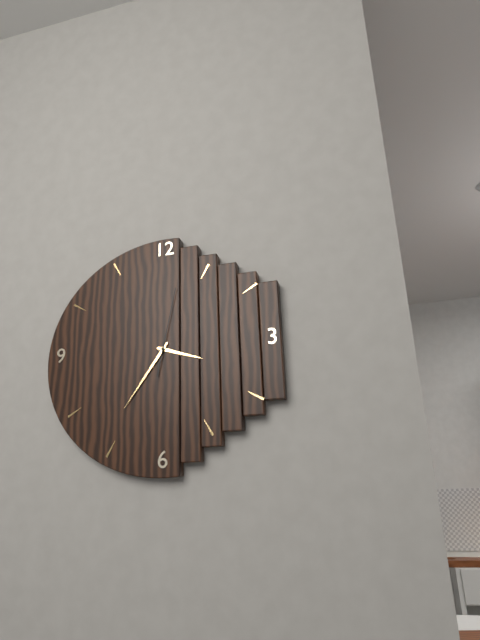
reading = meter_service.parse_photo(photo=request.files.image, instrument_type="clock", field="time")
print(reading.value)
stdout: 3:36:02
